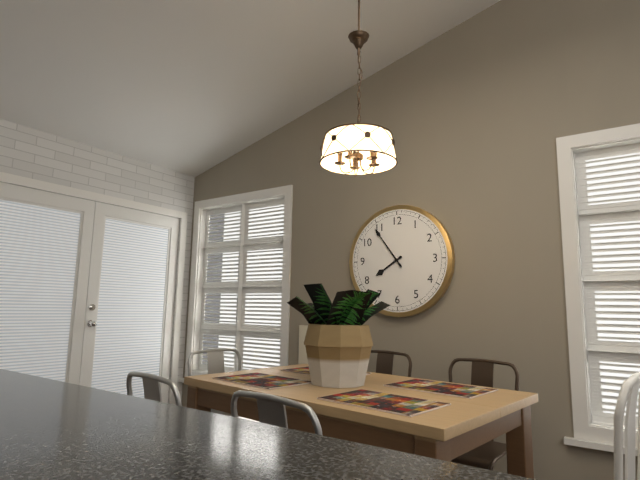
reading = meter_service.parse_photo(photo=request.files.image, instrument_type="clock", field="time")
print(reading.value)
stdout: 7:54
